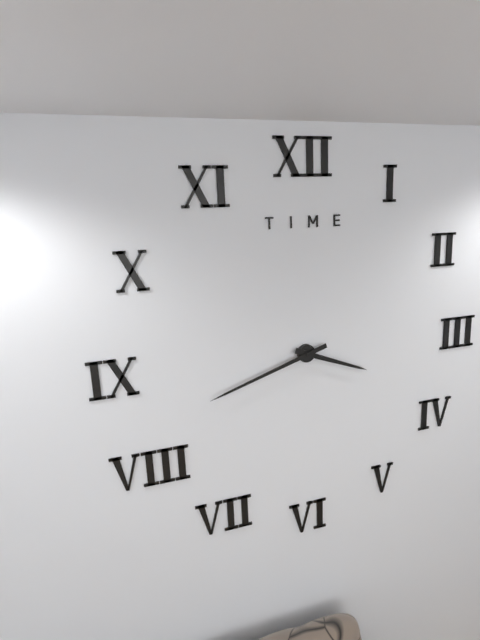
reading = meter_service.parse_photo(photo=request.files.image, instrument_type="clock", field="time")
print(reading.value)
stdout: 3:42
